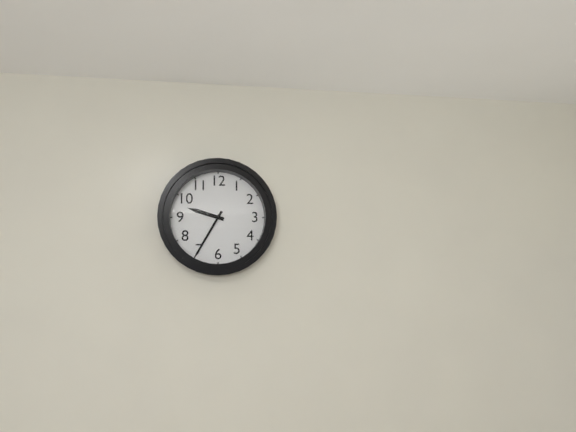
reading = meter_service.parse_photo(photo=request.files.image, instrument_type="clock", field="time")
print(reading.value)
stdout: 9:35
